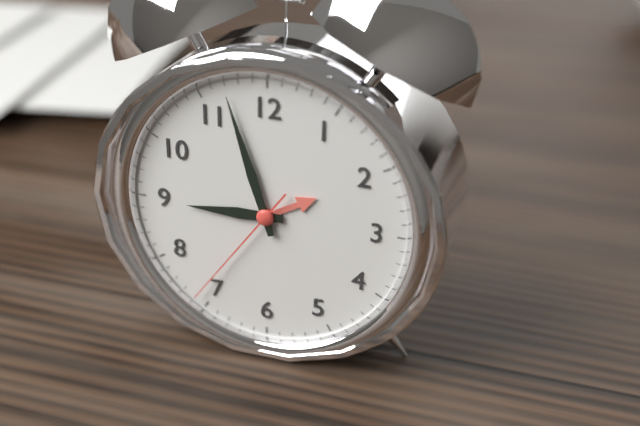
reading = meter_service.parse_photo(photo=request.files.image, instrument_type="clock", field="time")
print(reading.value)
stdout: 8:57:36
